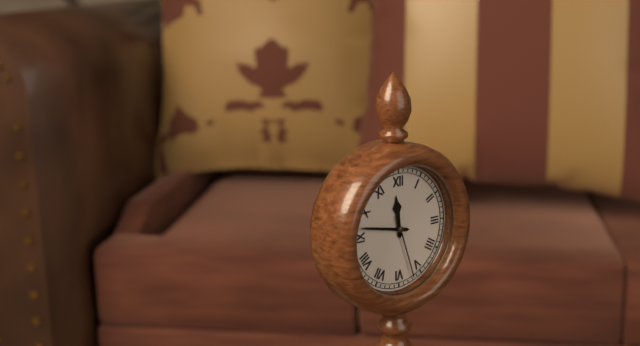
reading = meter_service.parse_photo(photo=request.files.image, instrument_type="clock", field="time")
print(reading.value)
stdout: 11:47:27
